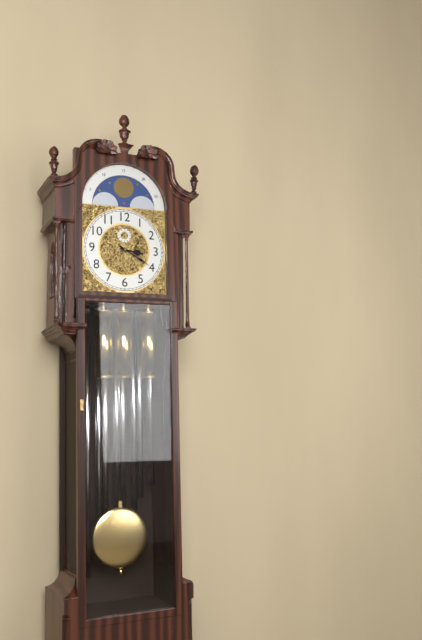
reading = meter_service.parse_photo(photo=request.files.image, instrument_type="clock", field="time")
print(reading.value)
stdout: 3:20
